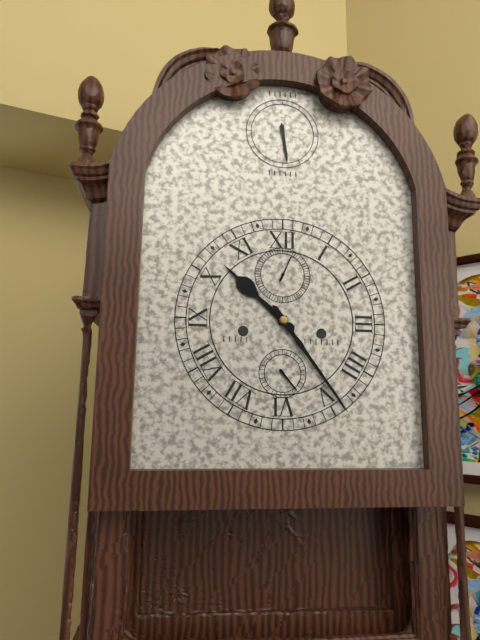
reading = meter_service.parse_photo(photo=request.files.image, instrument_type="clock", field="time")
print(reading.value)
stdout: 10:24
